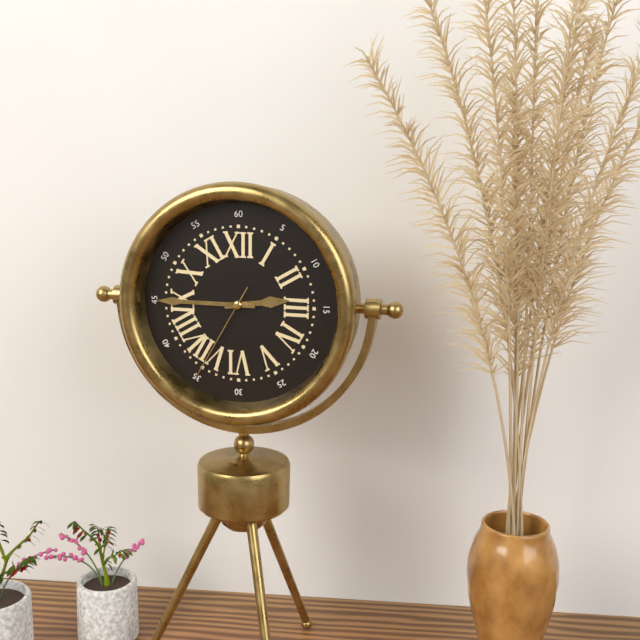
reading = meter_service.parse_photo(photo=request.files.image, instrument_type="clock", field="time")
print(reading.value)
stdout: 2:45:35
